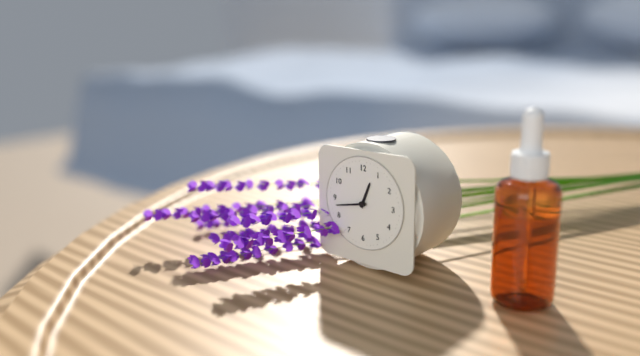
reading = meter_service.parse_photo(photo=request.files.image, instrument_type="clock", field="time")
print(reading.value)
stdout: 12:43
